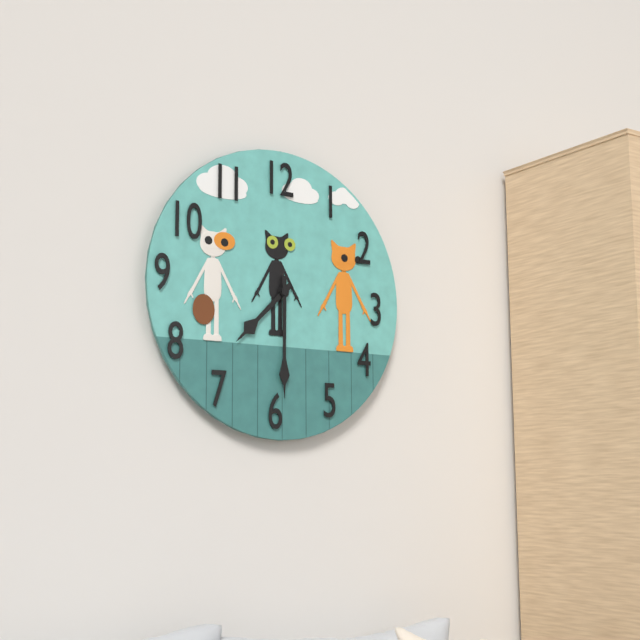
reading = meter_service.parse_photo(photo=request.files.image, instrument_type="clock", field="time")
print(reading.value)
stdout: 7:30
